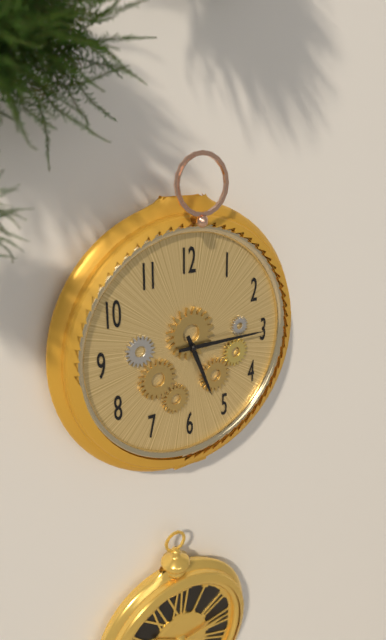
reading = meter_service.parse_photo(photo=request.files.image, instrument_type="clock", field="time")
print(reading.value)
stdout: 5:15
